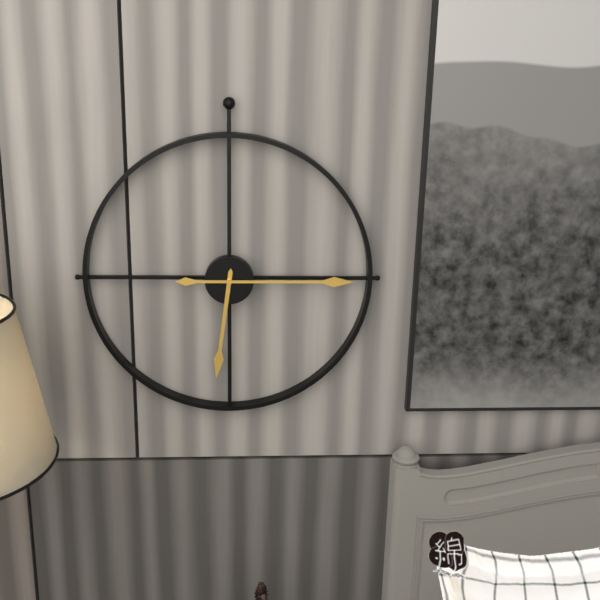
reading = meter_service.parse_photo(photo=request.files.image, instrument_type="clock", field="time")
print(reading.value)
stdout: 6:15
